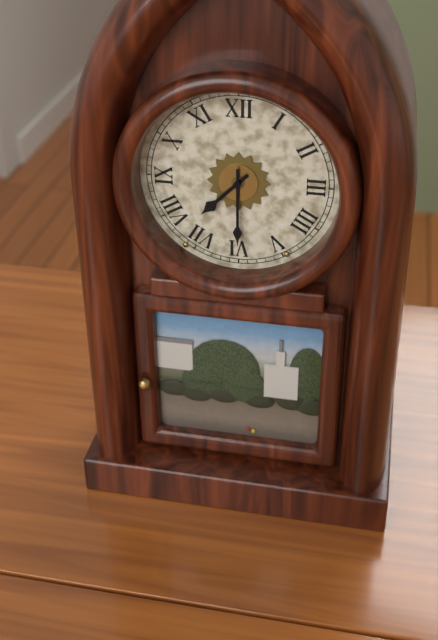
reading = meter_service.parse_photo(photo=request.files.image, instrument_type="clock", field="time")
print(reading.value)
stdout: 7:30
